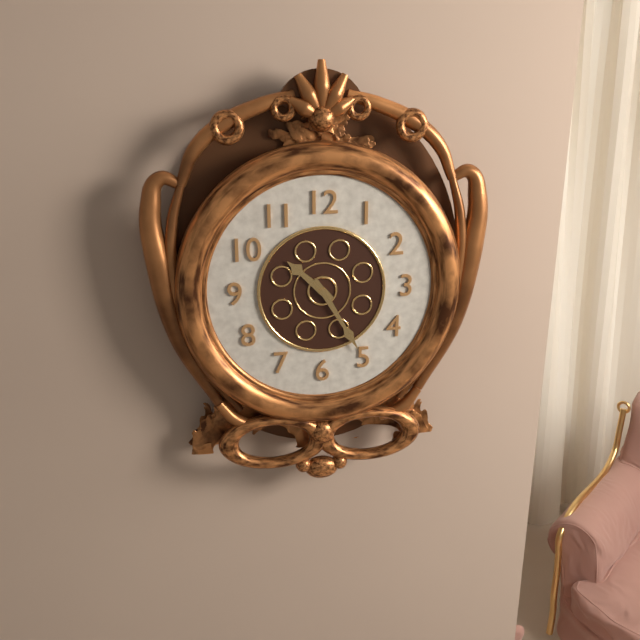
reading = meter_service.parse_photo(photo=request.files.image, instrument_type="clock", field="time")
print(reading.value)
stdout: 10:25
